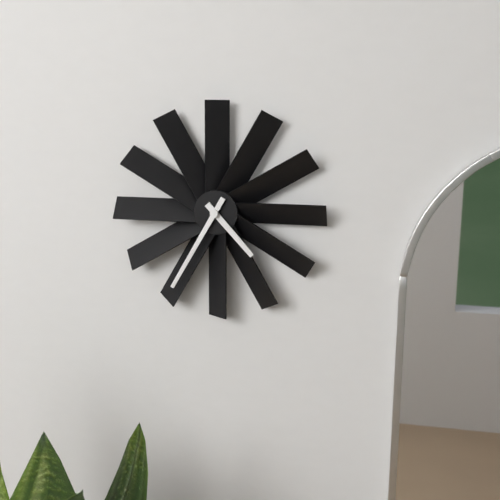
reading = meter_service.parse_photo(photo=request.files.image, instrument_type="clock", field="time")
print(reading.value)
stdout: 4:35
